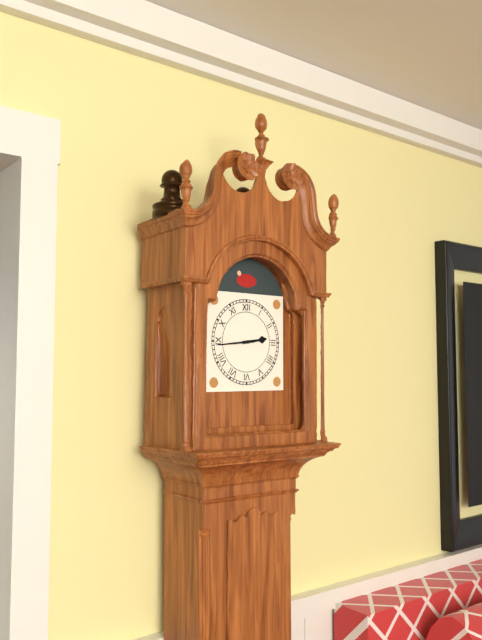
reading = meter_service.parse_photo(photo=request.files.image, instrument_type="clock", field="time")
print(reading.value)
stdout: 2:44
